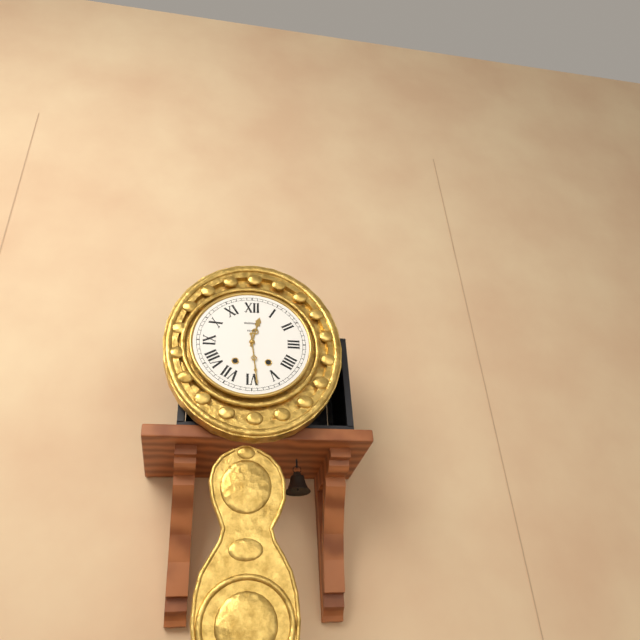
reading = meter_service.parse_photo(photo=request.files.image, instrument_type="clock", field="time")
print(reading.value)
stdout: 12:29
